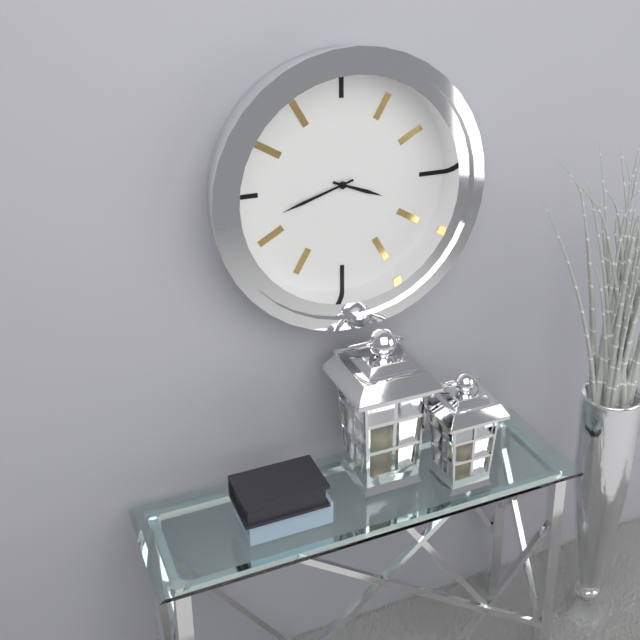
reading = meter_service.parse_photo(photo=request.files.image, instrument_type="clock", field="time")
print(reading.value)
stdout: 3:42
